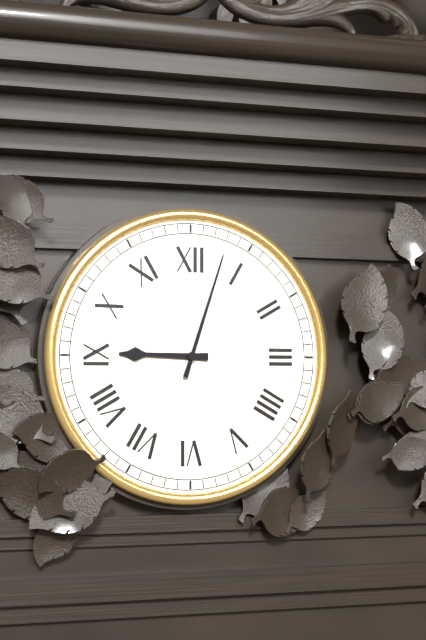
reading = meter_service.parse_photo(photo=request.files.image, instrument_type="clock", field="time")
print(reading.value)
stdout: 9:03
